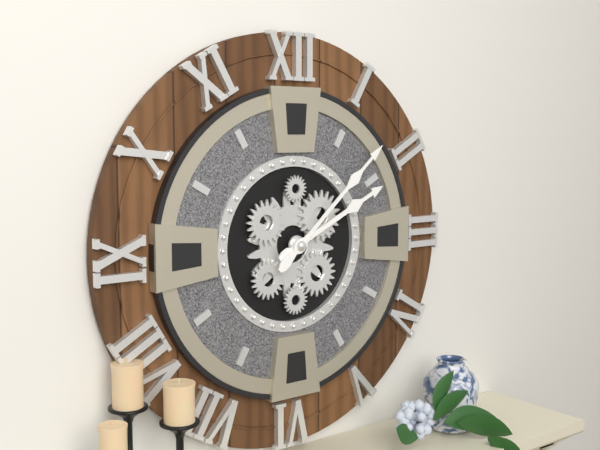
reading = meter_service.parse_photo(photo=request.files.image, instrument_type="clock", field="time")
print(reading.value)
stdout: 2:08
